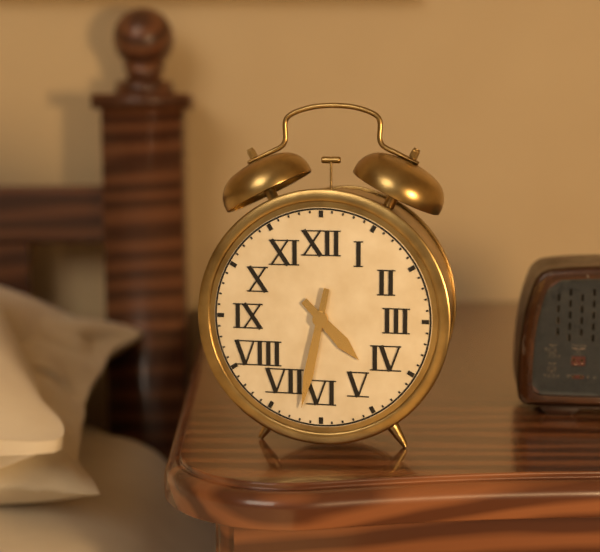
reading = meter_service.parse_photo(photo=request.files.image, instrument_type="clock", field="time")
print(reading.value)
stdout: 4:32
